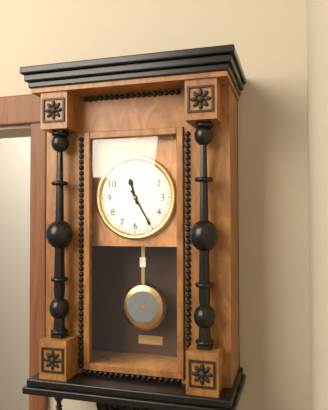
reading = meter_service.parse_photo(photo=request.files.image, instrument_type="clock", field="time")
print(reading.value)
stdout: 11:25
